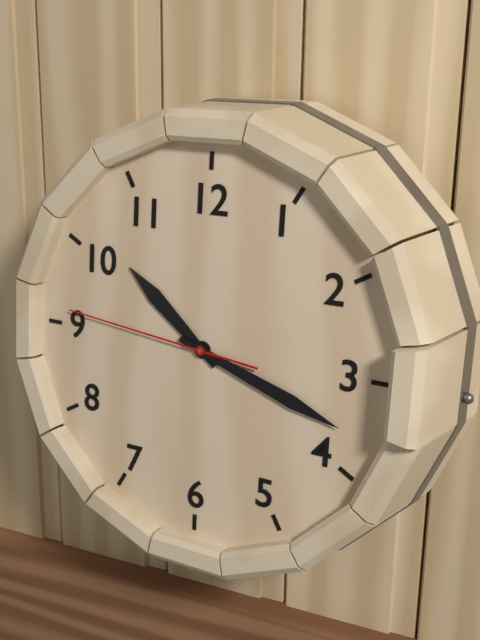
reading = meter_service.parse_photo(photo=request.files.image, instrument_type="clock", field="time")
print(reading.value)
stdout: 10:18:46
